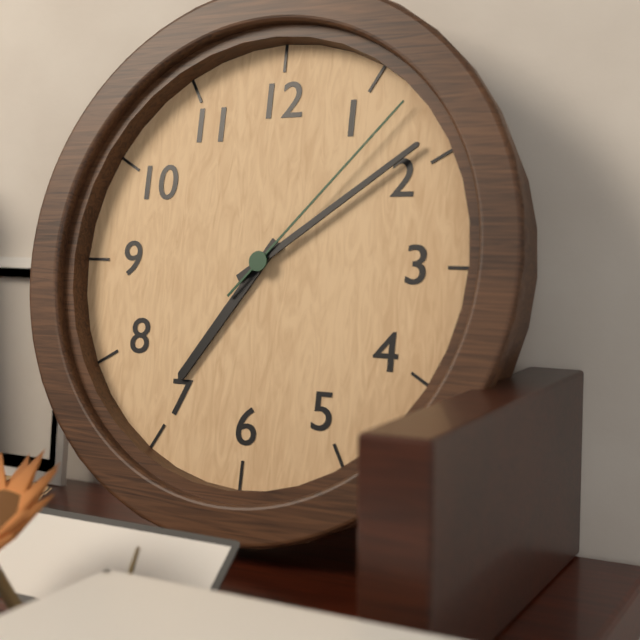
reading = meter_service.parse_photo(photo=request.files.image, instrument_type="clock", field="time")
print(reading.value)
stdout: 7:09:07
